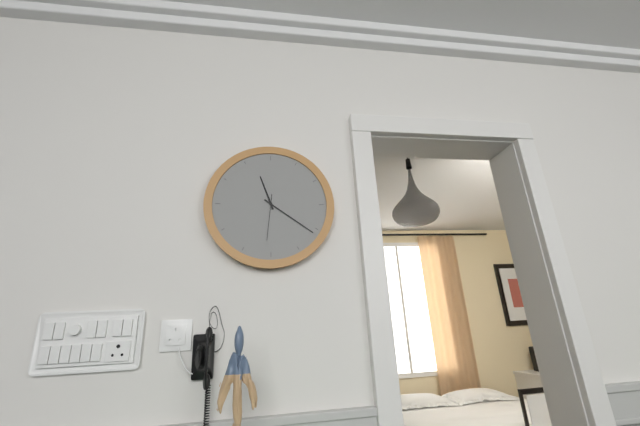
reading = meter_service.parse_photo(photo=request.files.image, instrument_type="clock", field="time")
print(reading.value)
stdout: 11:21
